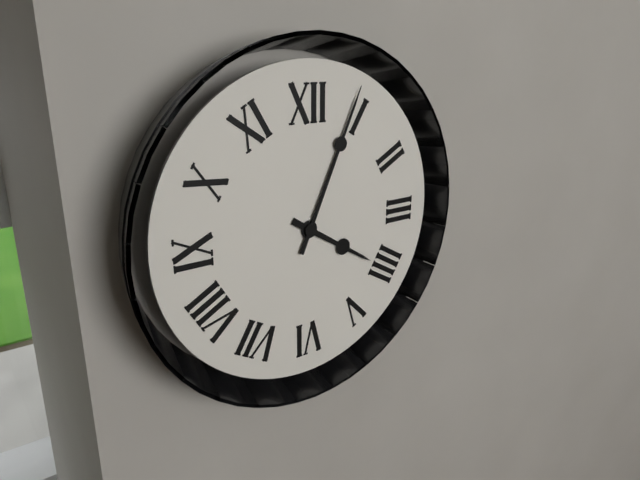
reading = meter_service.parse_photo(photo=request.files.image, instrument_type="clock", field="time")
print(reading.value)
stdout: 4:04
